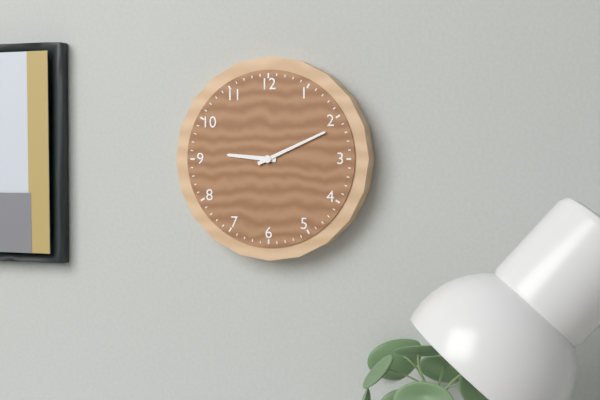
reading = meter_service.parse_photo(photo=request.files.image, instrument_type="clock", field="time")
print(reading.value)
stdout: 9:11
